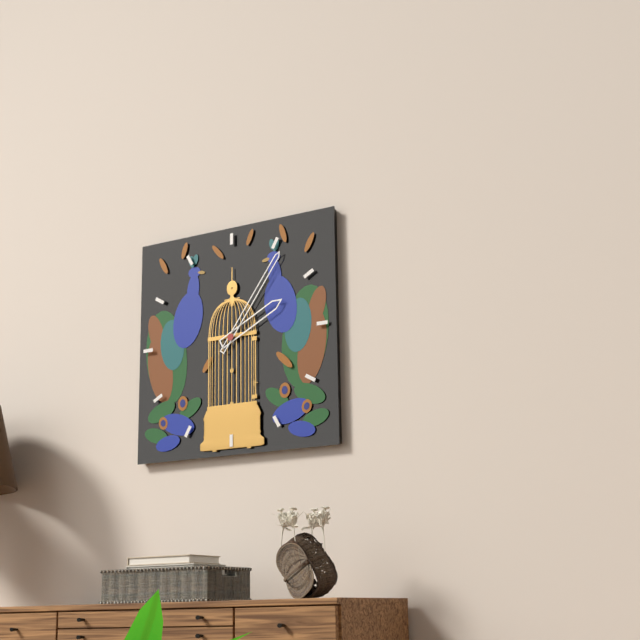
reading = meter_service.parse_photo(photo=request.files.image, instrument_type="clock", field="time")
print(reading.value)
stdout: 2:06
